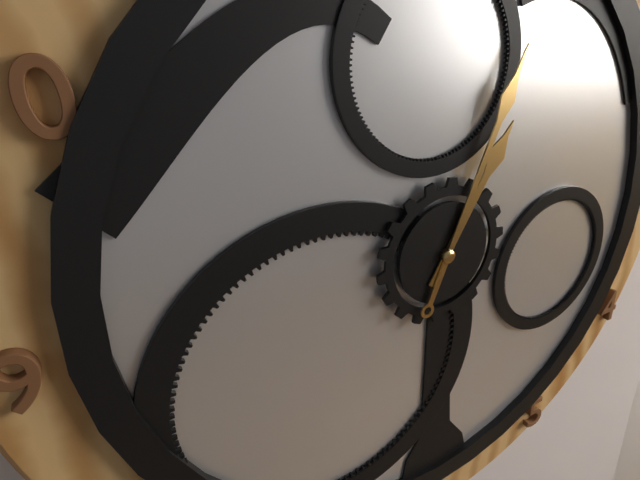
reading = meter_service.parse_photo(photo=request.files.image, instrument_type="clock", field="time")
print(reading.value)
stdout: 1:04
